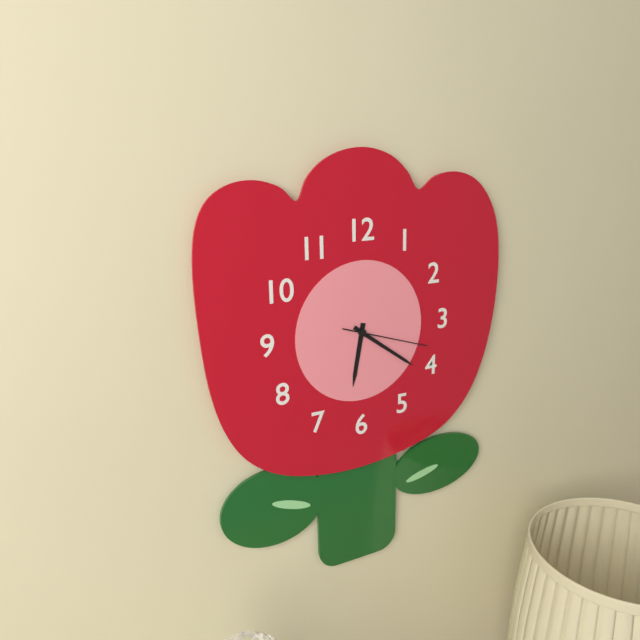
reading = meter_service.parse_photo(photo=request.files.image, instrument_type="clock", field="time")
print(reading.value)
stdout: 6:21:18
